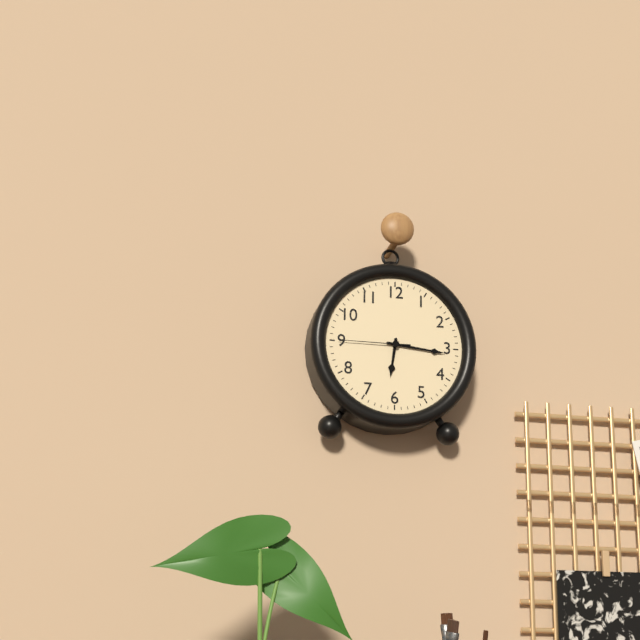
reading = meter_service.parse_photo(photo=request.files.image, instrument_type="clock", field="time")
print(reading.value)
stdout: 6:16:45
